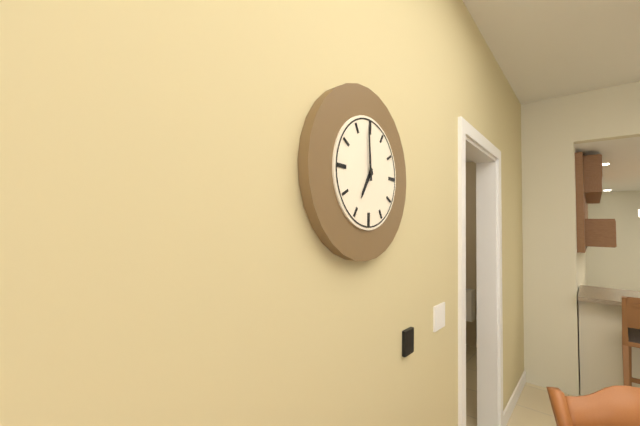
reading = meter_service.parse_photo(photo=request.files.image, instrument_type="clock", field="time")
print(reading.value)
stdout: 6:59
